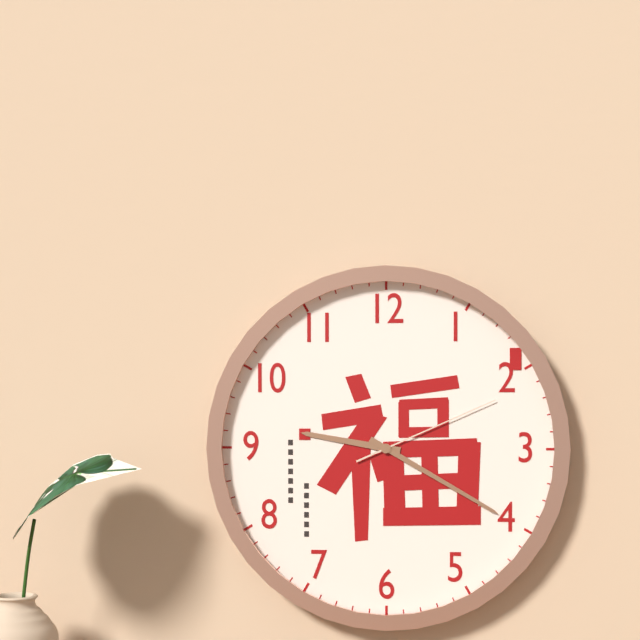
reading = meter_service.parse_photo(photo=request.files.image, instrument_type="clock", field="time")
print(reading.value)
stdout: 9:20:11
